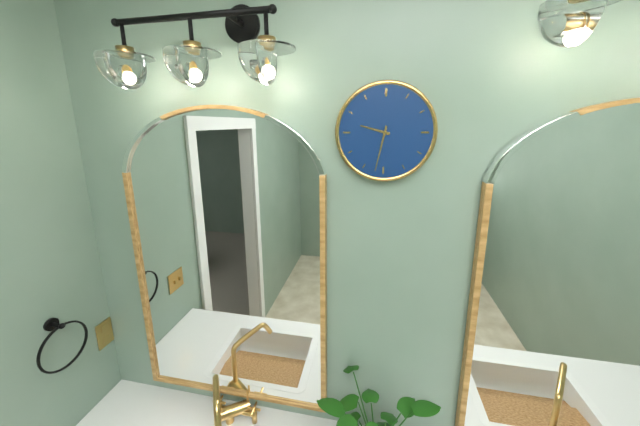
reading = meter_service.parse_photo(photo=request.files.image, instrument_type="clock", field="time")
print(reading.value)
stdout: 9:32
